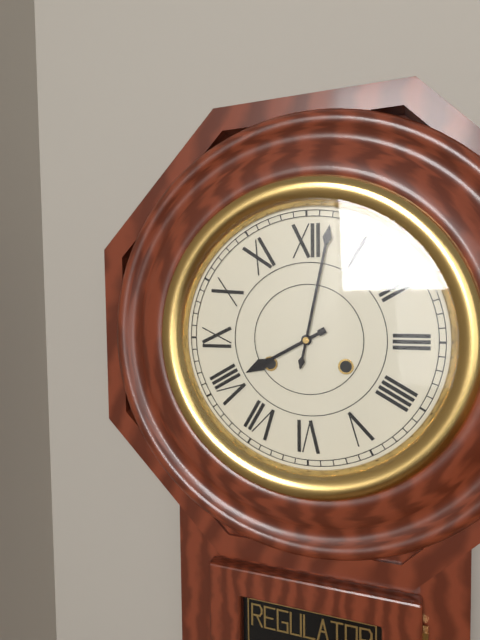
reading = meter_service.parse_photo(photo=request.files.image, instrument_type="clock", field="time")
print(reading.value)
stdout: 8:02
